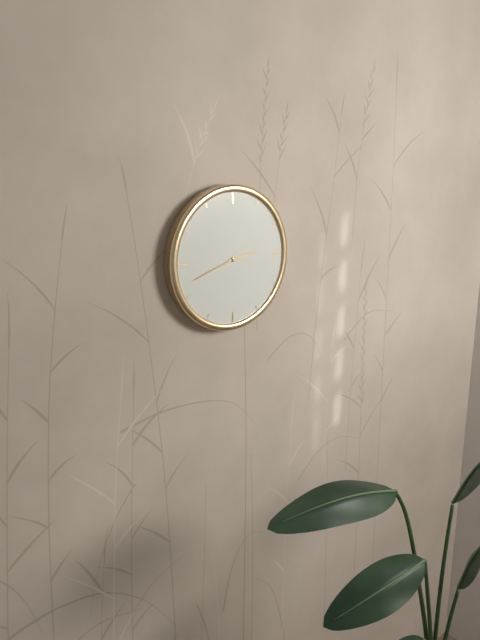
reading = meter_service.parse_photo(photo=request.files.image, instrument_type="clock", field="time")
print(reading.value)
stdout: 2:42
